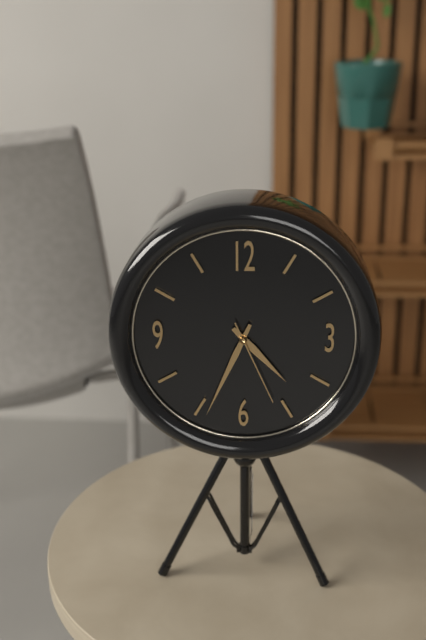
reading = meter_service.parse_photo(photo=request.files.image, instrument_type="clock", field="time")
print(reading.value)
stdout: 4:34:26
